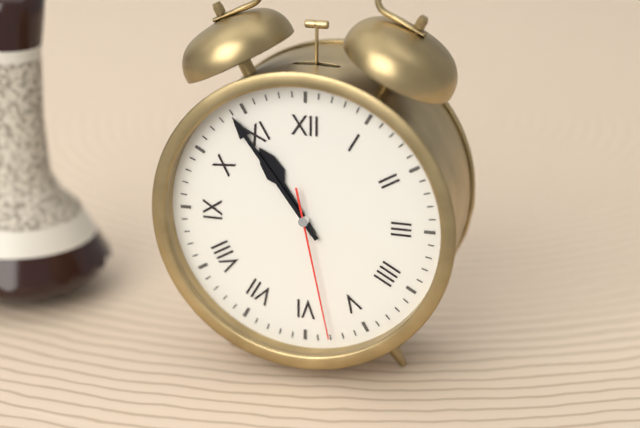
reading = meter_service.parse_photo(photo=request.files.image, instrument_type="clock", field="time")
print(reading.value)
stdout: 10:54:28
